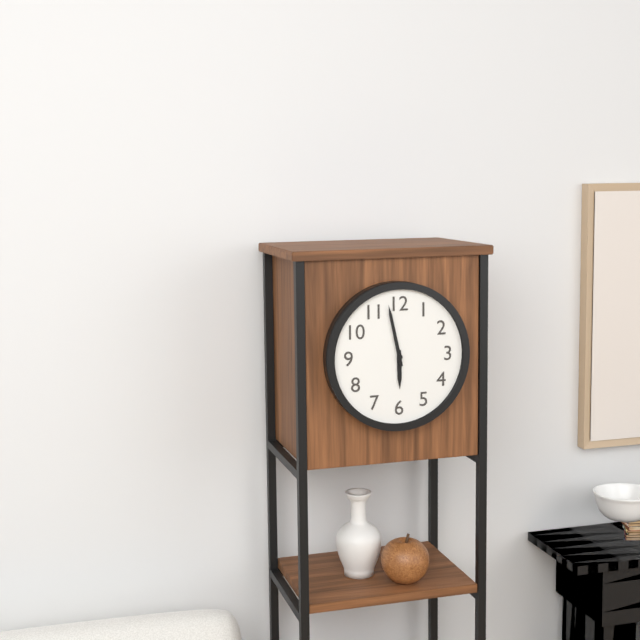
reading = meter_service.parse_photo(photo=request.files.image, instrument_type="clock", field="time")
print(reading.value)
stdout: 5:58
